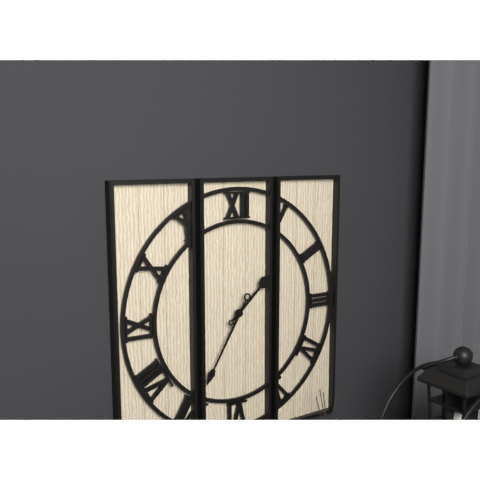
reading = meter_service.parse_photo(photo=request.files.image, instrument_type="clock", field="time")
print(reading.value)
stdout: 1:35
